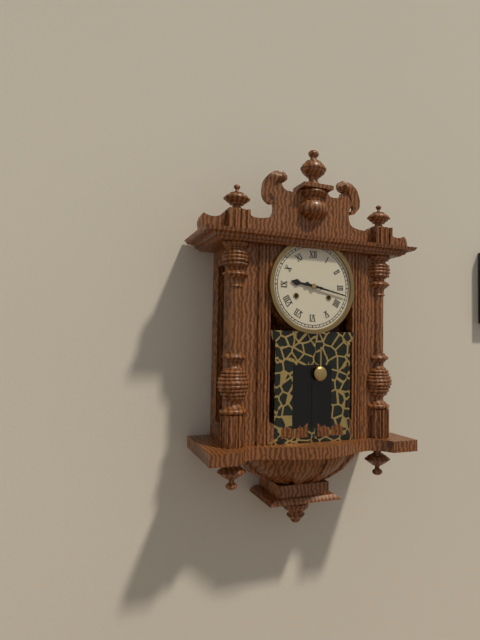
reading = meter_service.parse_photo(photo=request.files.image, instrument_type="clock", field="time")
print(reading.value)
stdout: 9:17
